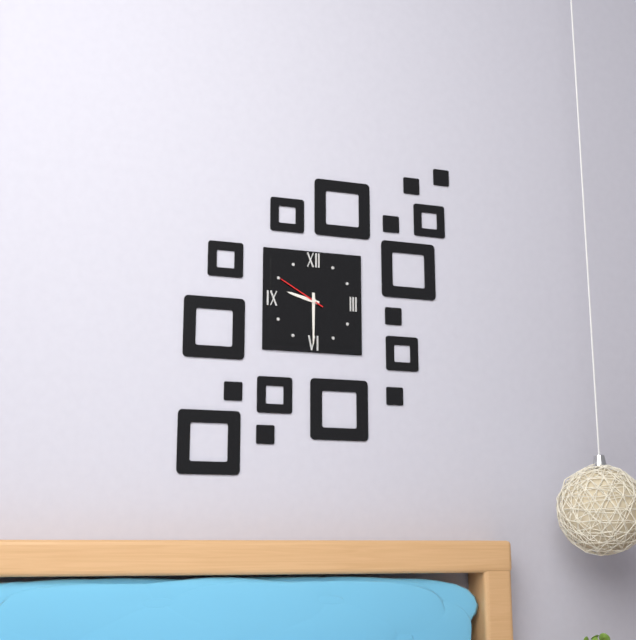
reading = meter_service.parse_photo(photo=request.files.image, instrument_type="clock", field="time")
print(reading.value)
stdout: 9:30:50
